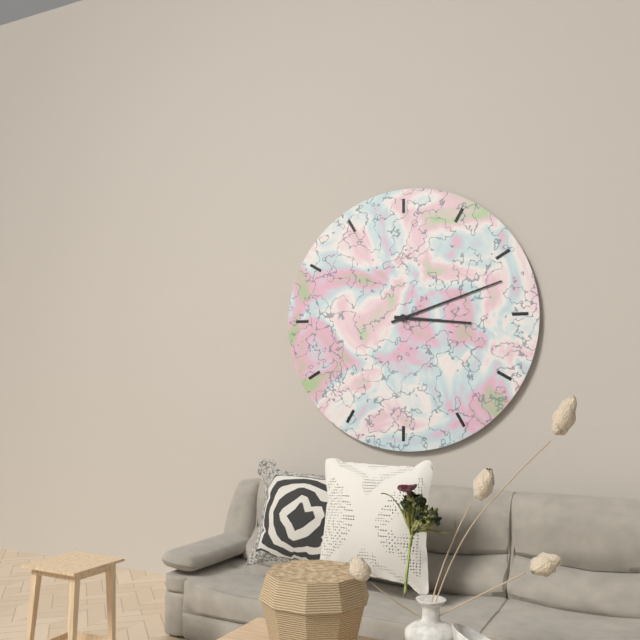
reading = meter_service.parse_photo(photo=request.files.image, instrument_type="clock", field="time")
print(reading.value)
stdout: 3:12
